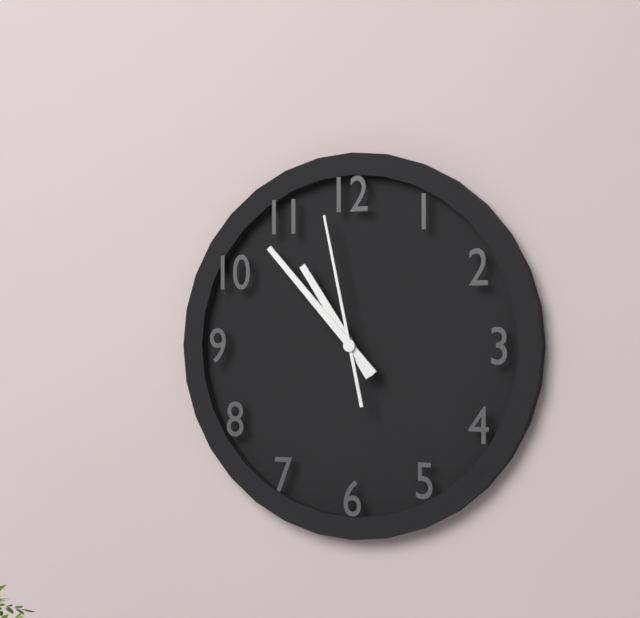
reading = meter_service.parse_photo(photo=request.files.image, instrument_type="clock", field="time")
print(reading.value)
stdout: 10:53:58
